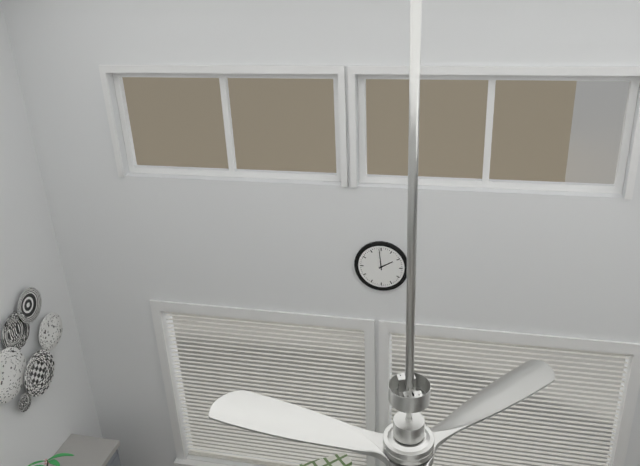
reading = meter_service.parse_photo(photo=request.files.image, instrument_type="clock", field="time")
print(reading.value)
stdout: 1:59
